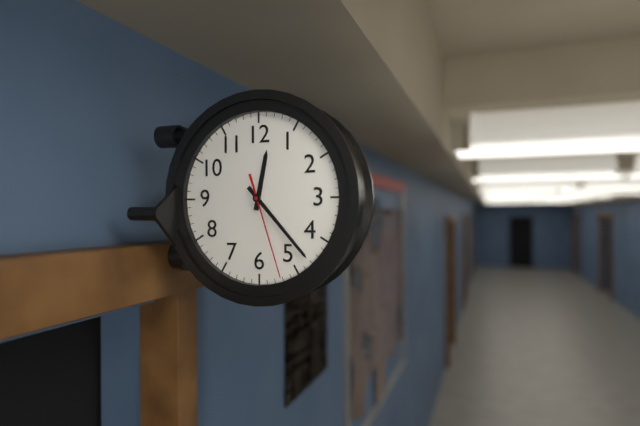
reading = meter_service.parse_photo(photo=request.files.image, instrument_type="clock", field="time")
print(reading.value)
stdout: 12:23:27
